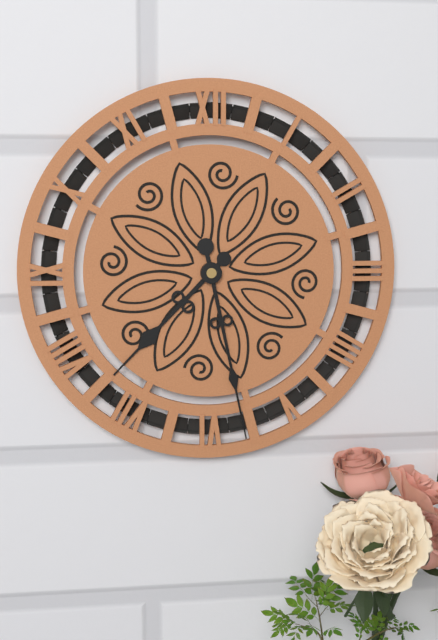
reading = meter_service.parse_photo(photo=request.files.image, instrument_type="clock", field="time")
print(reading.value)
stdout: 7:28
